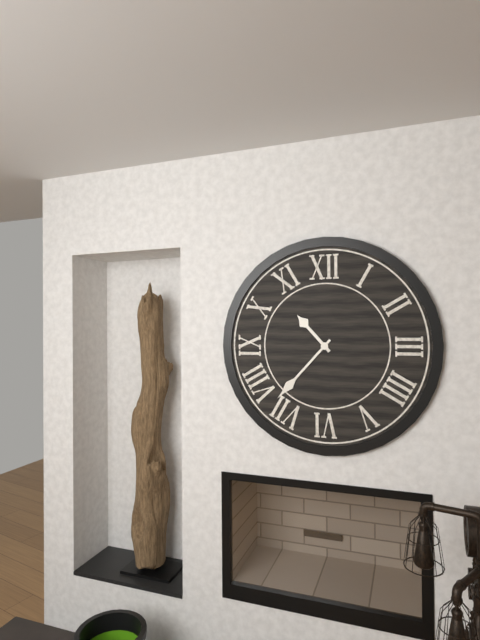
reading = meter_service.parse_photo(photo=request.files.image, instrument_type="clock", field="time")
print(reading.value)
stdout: 10:37
